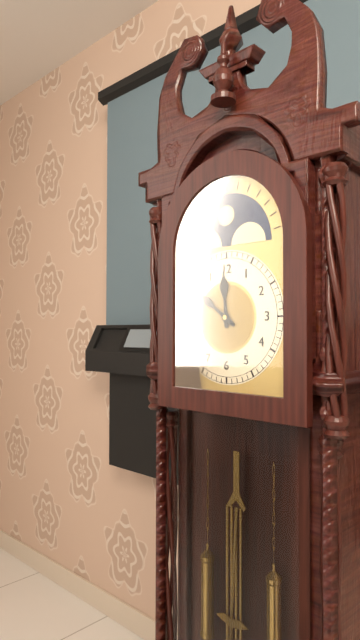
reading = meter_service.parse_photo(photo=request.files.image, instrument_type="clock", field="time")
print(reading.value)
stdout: 11:51
